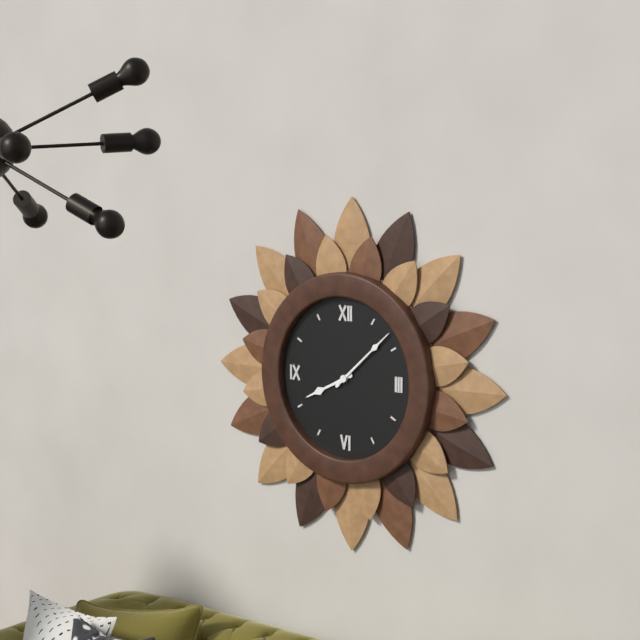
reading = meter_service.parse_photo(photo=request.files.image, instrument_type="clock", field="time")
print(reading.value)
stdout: 8:08
